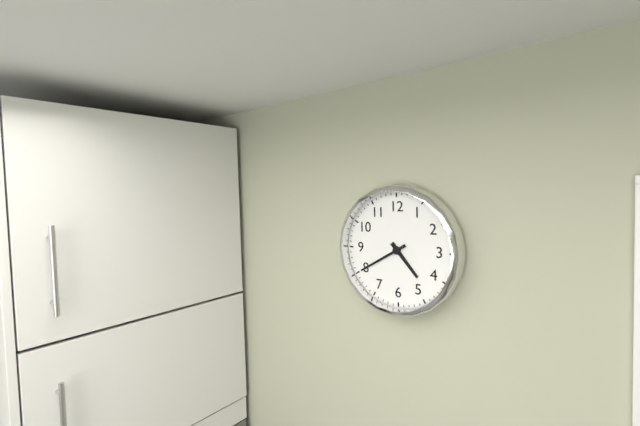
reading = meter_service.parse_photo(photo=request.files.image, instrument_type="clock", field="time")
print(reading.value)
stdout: 4:40
